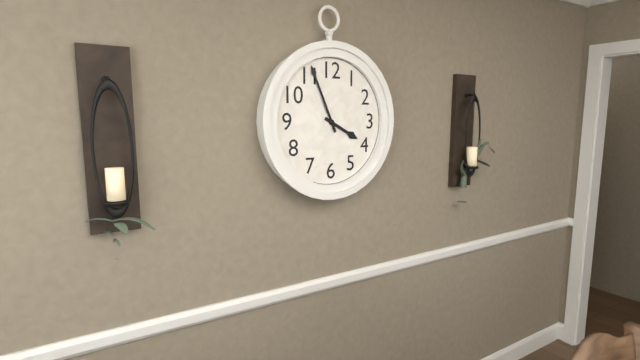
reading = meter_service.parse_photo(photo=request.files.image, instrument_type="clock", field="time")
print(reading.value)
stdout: 3:56
